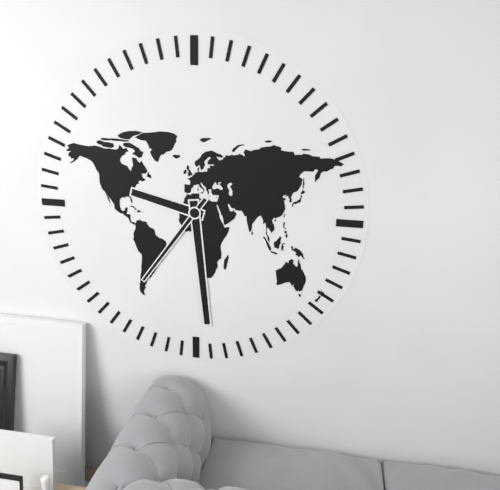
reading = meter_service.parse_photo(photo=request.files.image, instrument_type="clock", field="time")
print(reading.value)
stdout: 9:29:36
